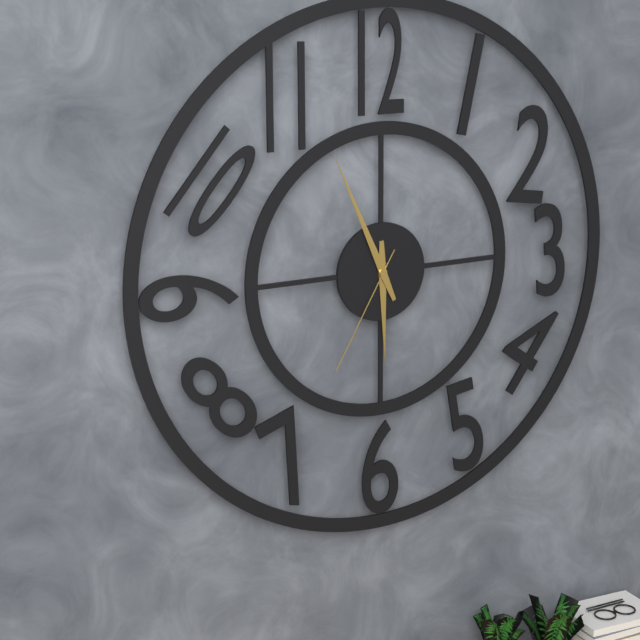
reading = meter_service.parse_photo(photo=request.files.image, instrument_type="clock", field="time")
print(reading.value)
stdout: 5:56:35
